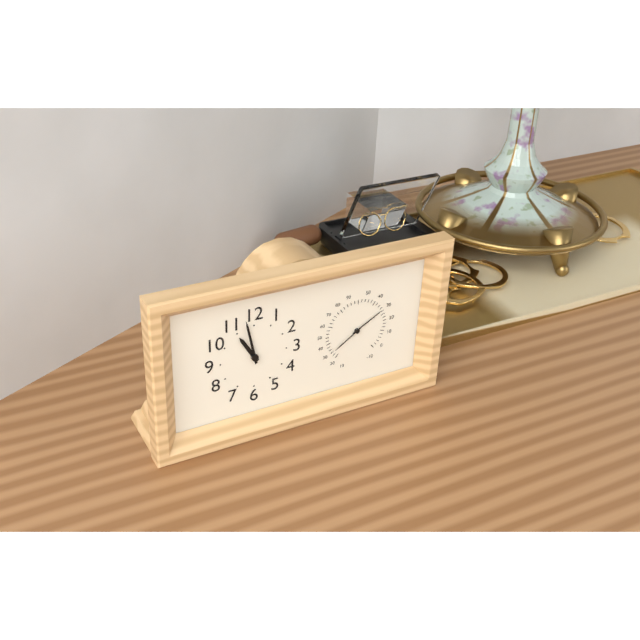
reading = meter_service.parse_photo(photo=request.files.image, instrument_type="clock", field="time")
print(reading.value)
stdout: 10:58
